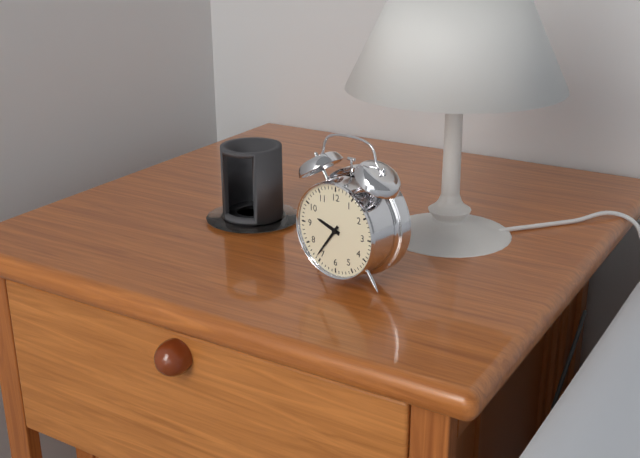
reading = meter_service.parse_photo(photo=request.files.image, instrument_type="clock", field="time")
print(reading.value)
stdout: 9:36
